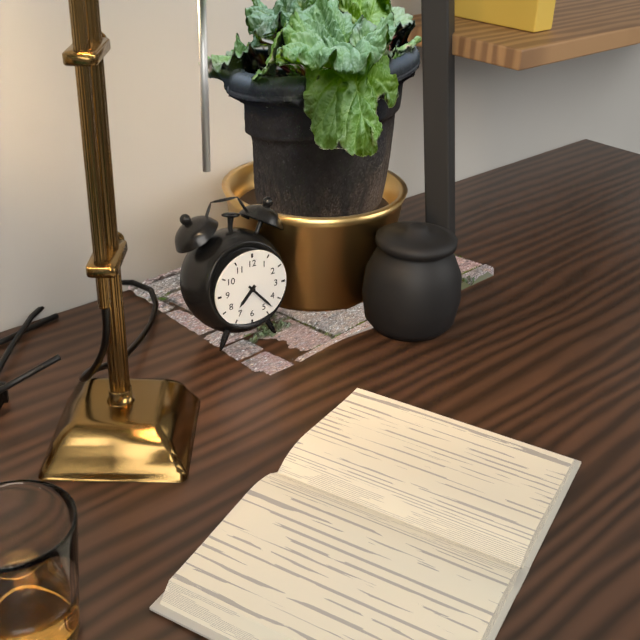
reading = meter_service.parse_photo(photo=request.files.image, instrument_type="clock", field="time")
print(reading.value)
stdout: 7:23
